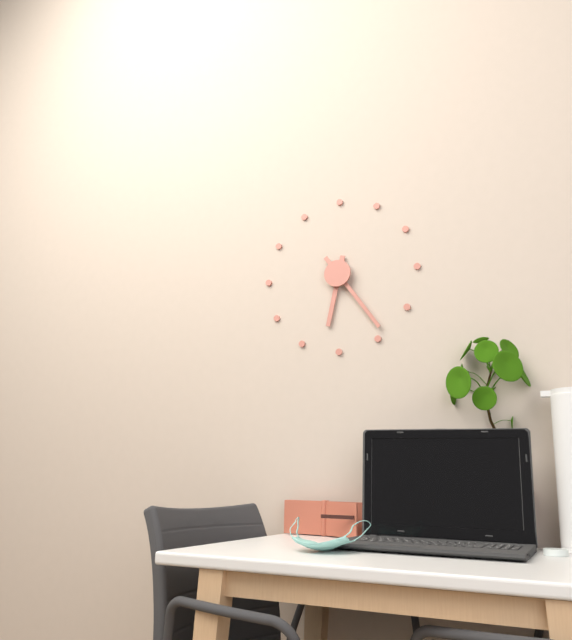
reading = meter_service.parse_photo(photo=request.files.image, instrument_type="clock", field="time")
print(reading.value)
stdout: 6:24
